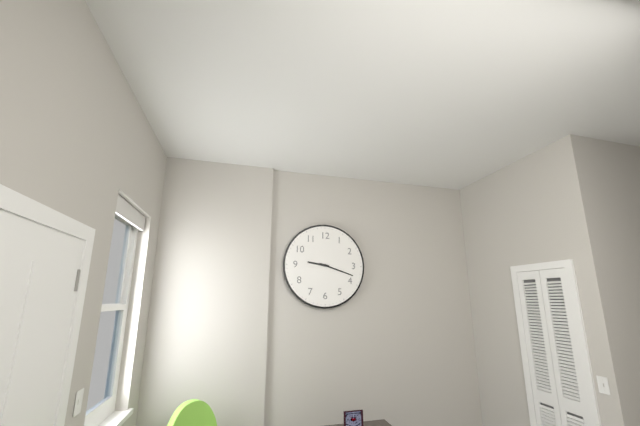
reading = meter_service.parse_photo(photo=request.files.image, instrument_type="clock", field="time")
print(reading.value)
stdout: 9:18
